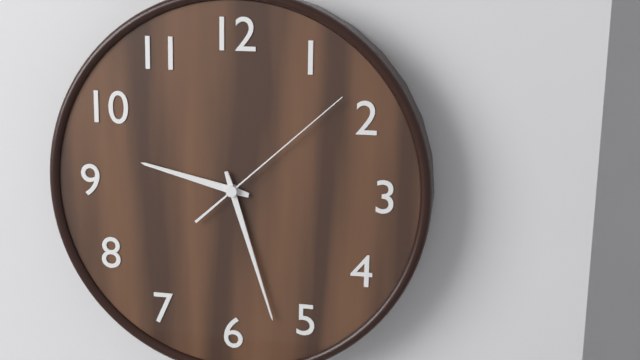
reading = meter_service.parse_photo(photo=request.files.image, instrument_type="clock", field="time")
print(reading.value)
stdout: 9:27:08
